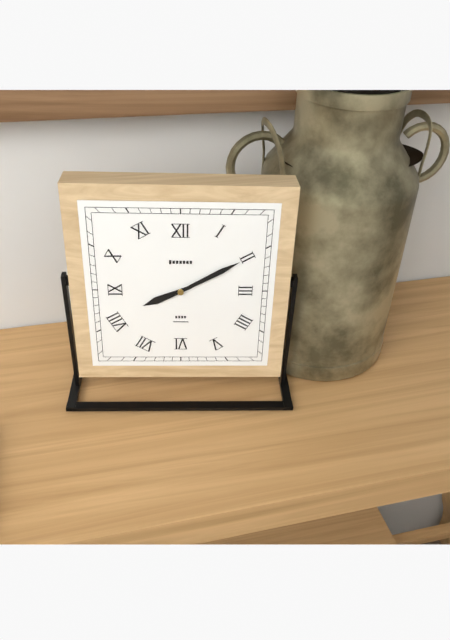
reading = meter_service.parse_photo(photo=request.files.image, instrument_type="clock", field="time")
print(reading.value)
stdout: 8:10
